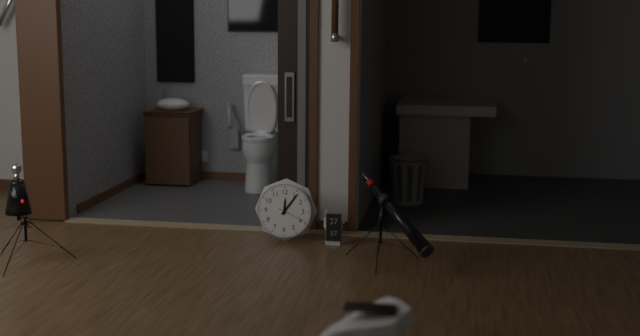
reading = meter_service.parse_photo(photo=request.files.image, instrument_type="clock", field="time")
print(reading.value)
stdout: 12:06
